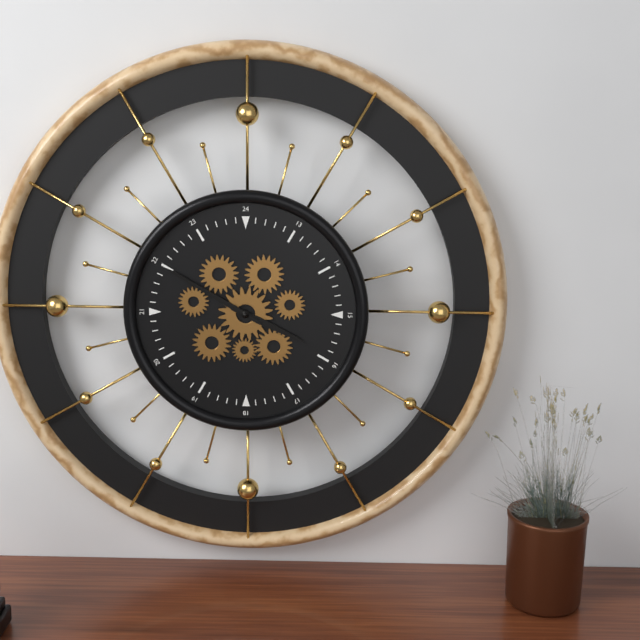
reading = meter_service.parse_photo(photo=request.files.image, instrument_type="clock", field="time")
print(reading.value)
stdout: 3:50
